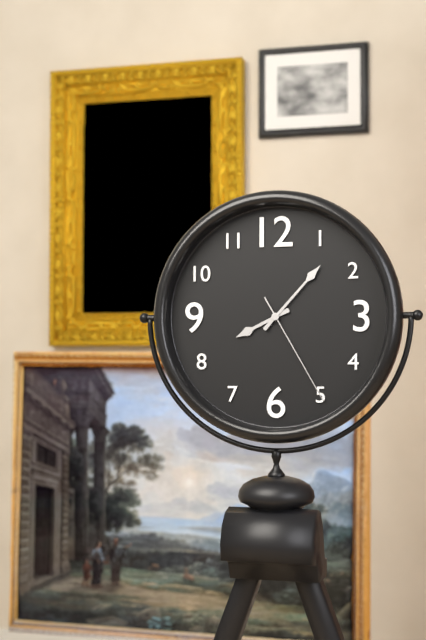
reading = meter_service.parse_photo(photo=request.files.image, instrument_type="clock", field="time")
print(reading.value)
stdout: 8:07:25
